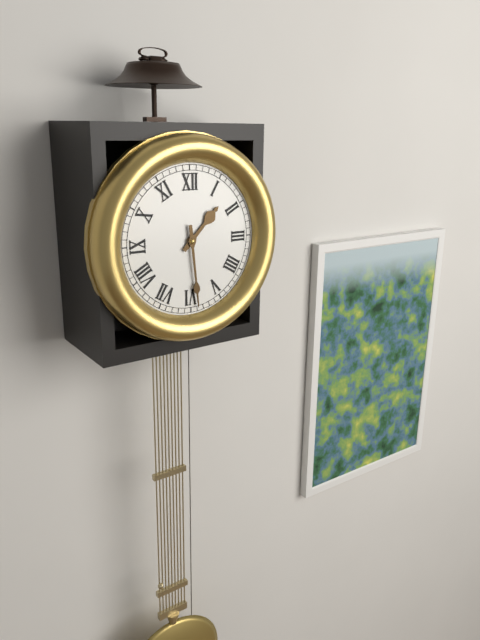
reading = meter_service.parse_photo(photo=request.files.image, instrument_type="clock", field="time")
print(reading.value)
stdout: 1:29
